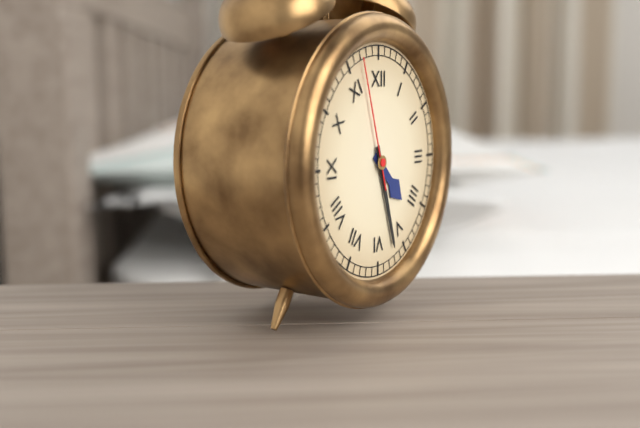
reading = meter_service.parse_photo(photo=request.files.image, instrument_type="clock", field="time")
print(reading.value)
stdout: 4:27:57
